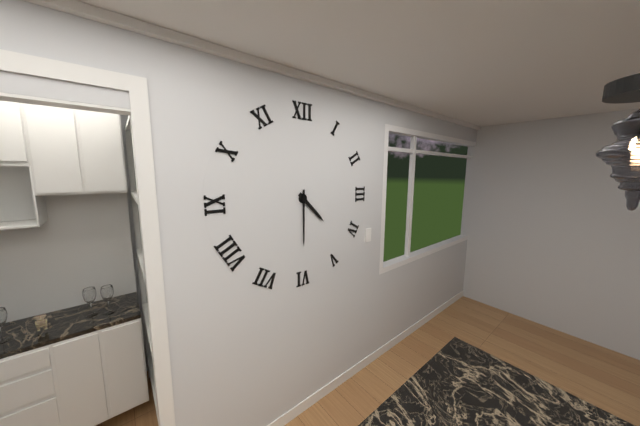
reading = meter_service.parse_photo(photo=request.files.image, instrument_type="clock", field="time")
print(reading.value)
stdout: 4:30
